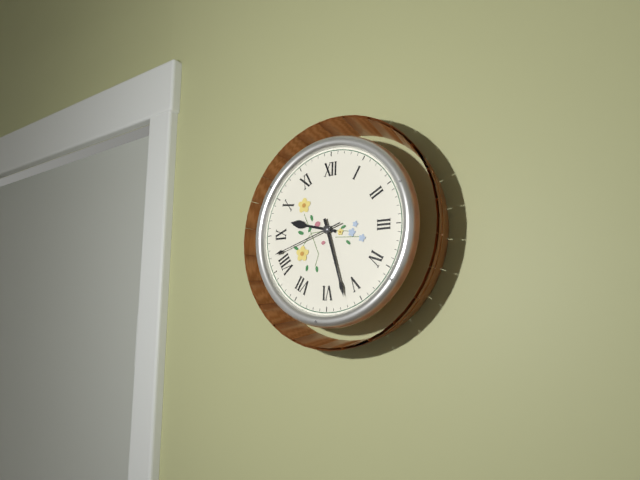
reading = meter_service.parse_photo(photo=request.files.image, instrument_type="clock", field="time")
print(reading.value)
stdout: 9:27:42
